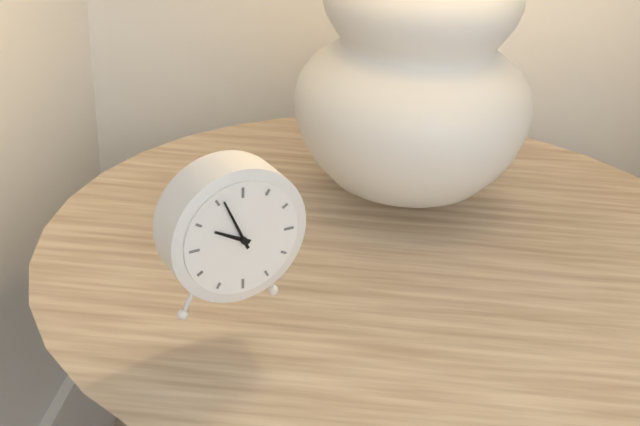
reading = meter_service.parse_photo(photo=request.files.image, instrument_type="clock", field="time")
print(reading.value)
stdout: 9:56
